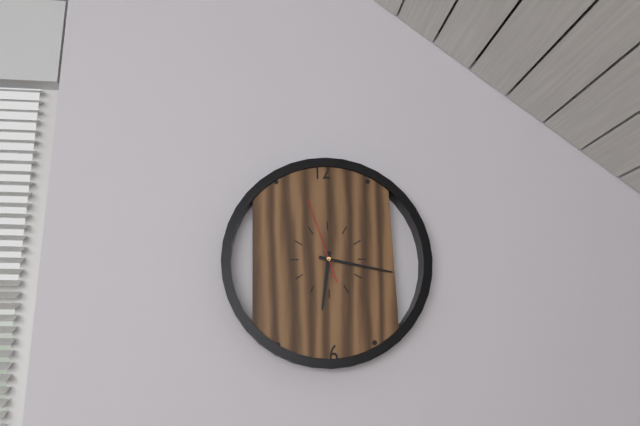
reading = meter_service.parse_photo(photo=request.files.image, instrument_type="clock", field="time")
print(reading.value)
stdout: 6:17:57
